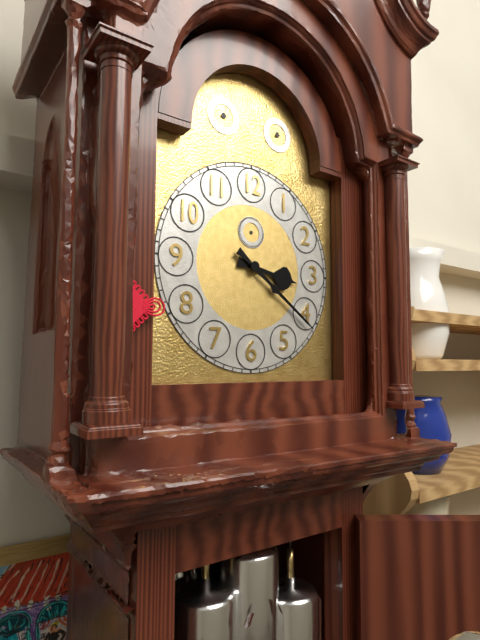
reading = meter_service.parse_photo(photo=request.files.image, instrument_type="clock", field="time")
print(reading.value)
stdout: 3:21
